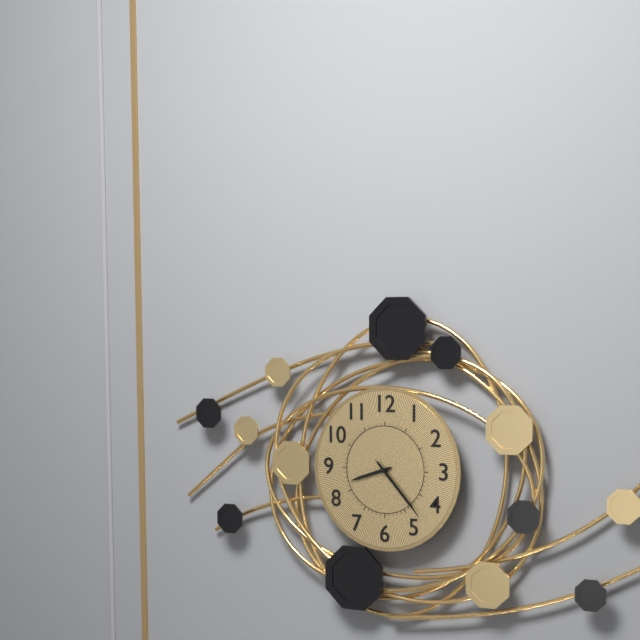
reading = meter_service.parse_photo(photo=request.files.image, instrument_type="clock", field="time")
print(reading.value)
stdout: 8:23:23
